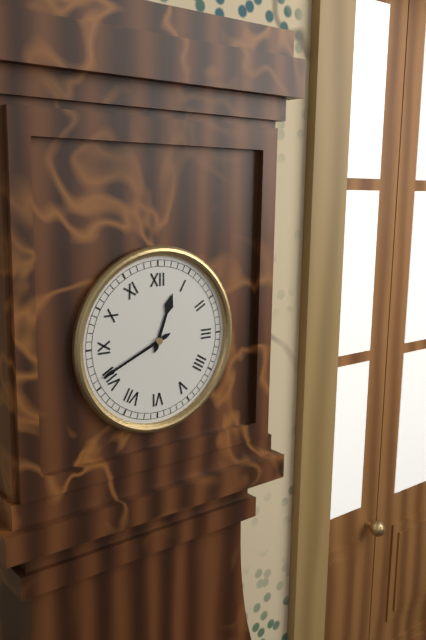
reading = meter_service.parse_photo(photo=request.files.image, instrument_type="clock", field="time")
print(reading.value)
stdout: 12:41
